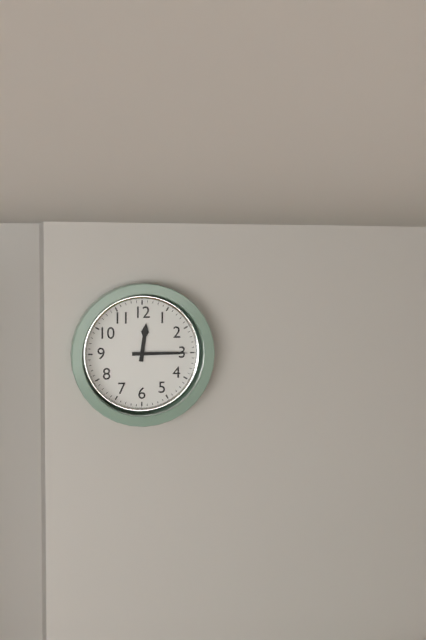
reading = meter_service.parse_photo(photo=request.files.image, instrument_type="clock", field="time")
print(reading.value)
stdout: 12:15
